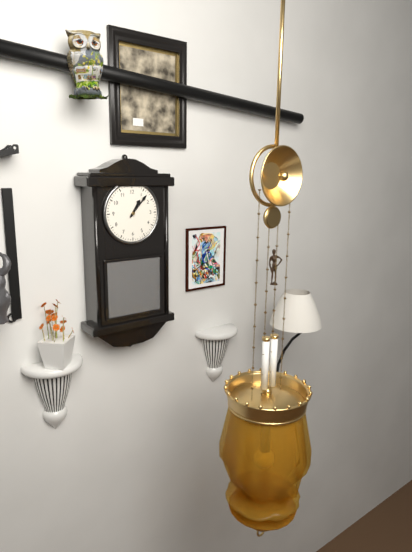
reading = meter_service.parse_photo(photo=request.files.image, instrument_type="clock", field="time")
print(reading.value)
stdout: 1:07
